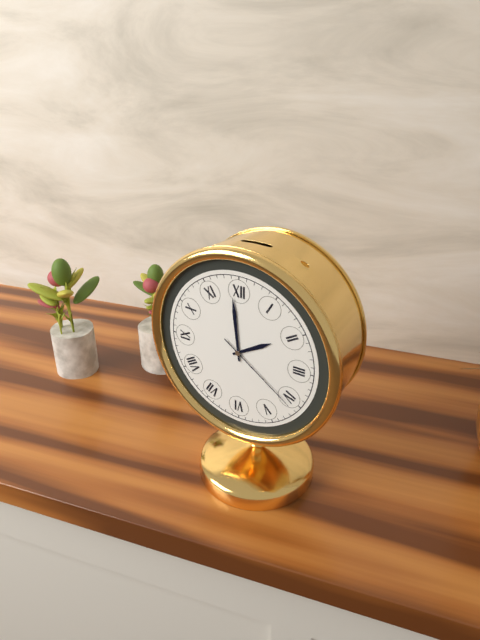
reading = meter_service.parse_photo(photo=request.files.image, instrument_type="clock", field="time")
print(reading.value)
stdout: 1:59:21
